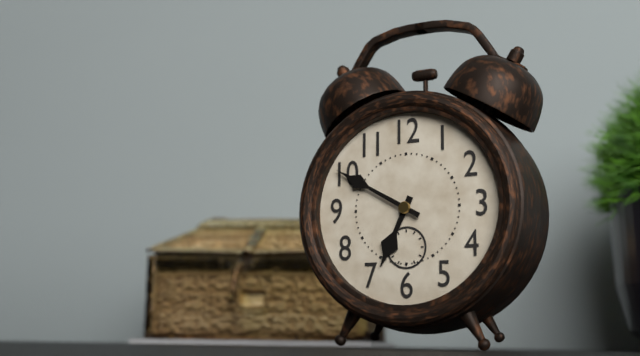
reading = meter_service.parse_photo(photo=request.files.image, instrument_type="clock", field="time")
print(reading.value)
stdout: 6:50
